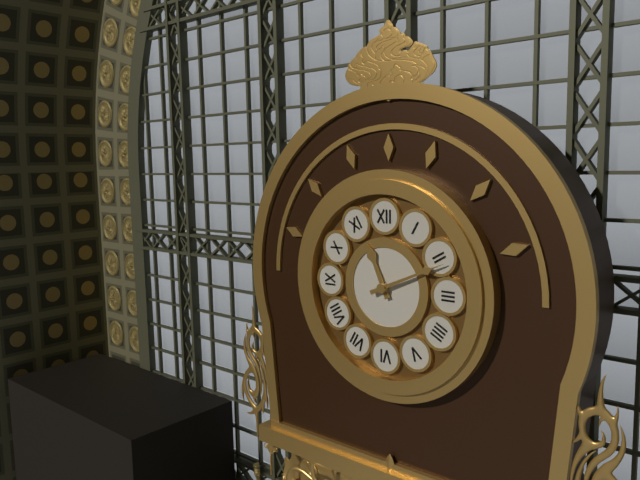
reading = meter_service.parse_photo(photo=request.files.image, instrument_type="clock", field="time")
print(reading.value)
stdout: 11:11
